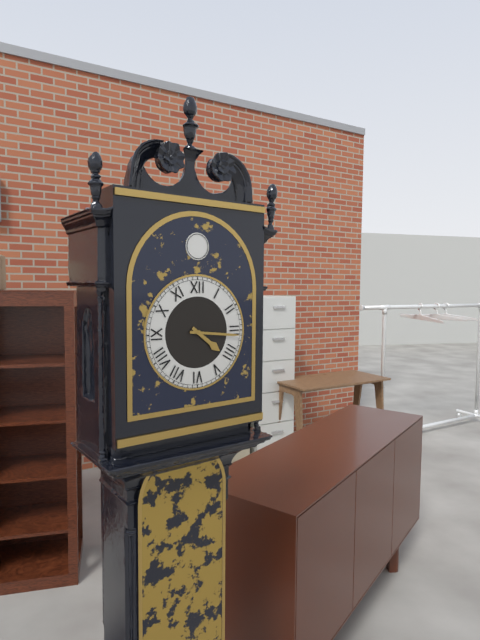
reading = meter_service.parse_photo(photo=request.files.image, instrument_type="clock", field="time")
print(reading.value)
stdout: 4:16
